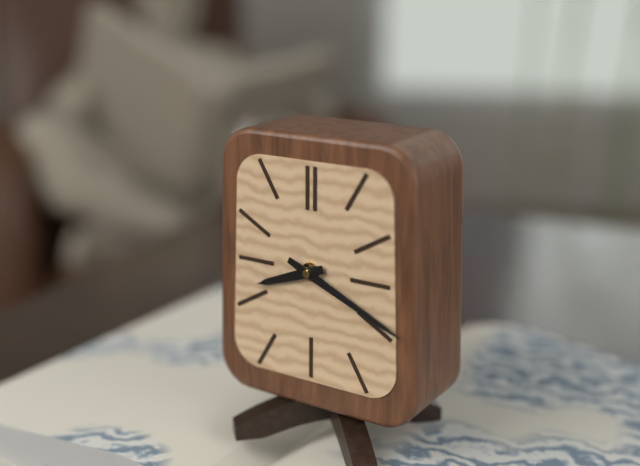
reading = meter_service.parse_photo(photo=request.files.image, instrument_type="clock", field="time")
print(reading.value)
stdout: 8:19
